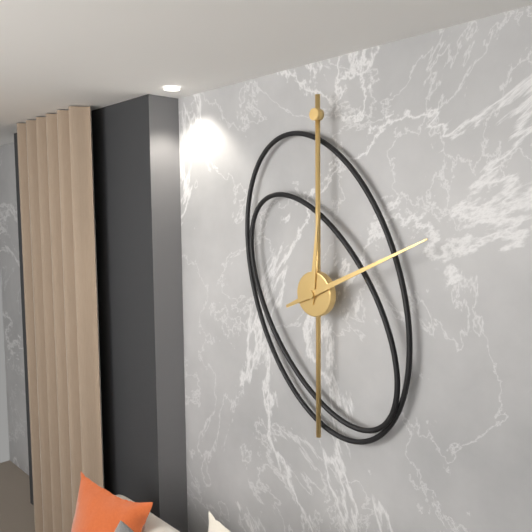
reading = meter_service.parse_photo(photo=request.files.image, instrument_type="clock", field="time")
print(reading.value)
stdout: 12:11
